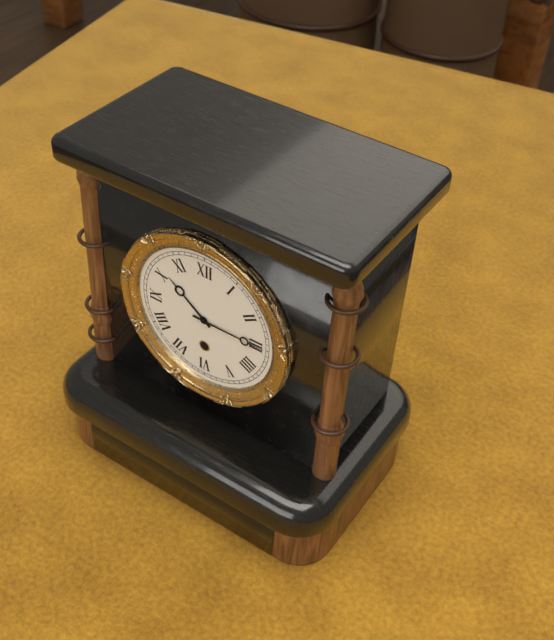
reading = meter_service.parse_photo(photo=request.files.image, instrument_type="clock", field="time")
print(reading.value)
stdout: 10:15
